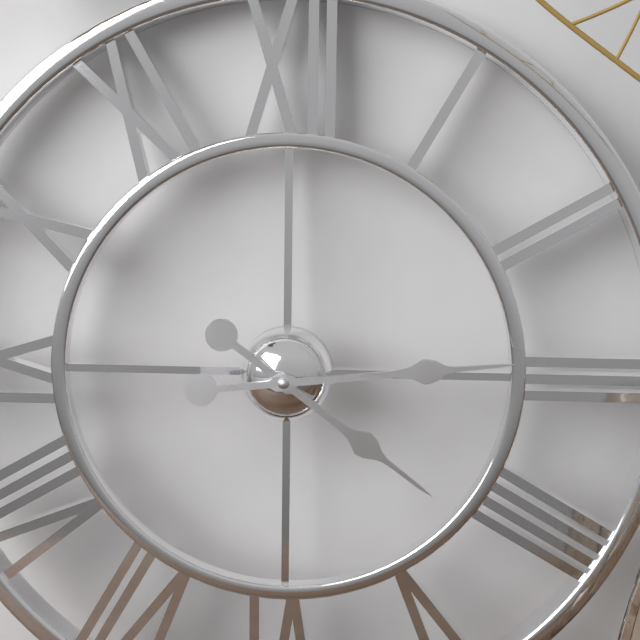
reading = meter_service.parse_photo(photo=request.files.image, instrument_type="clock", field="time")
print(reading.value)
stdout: 4:14
